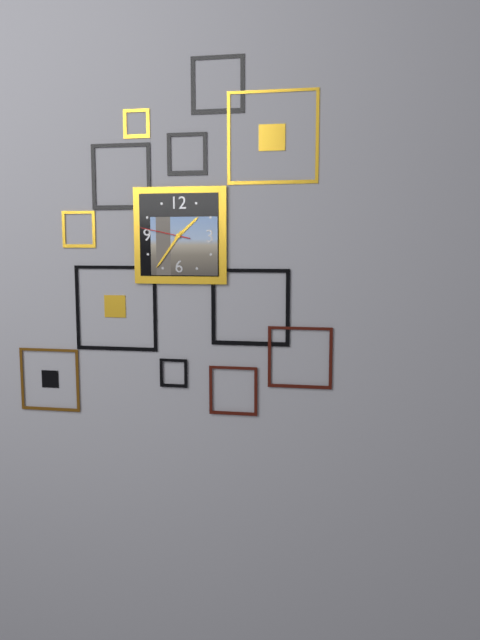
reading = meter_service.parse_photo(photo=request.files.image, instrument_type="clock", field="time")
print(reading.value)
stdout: 1:36:47
